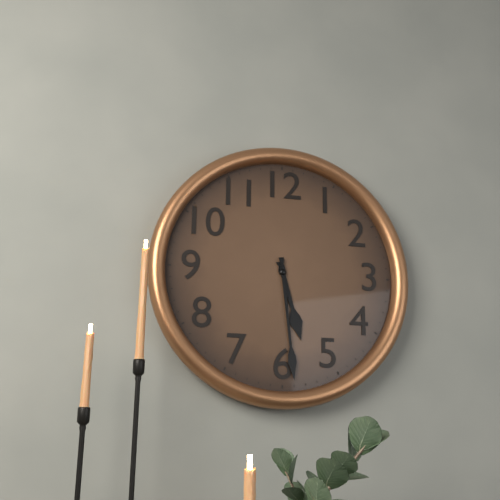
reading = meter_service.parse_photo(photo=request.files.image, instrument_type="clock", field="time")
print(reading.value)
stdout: 5:29
